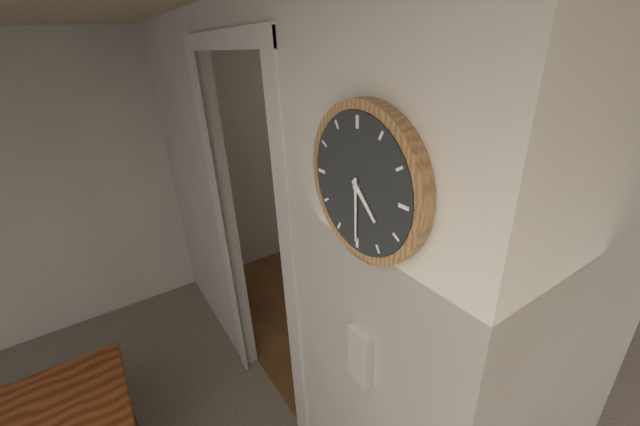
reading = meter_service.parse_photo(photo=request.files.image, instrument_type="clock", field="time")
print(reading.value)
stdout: 4:30
